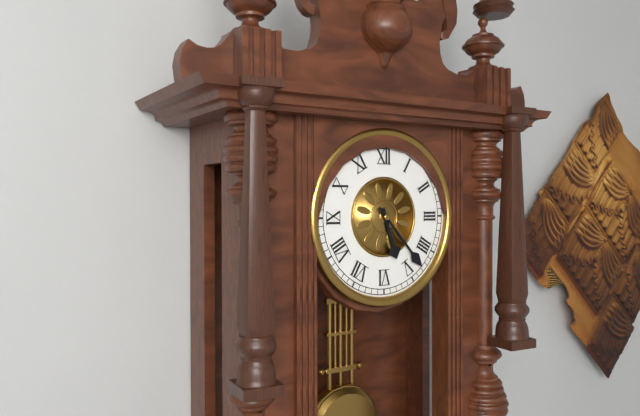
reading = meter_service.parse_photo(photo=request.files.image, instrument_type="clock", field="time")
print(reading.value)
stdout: 5:23
